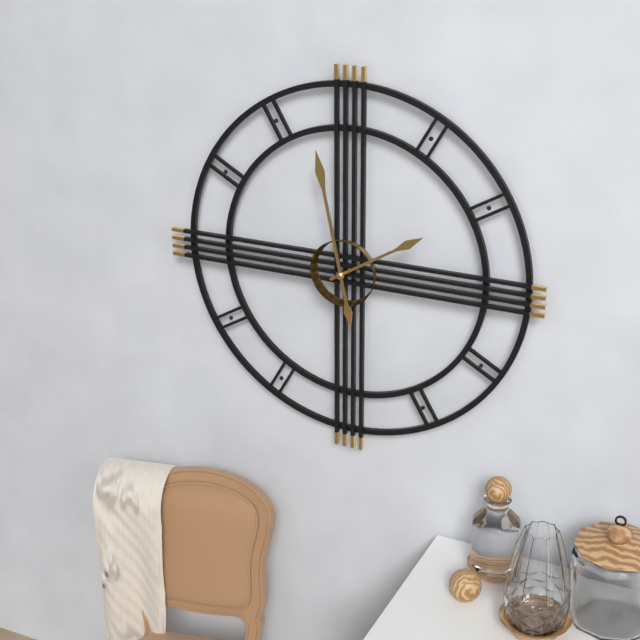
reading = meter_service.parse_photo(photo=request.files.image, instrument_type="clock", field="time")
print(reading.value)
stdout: 1:58
